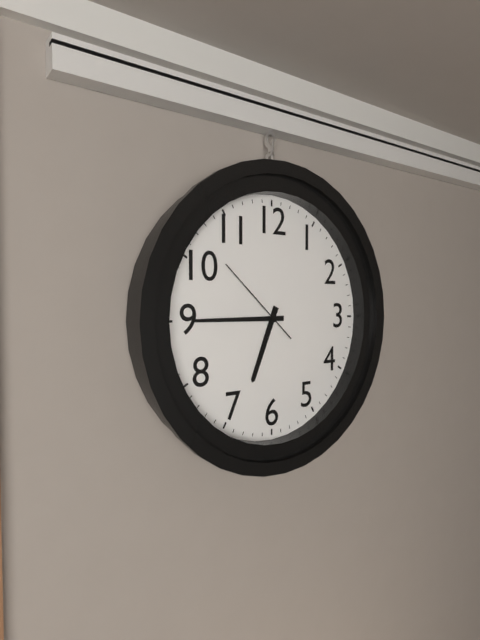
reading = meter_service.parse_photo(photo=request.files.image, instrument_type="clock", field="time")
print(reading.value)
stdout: 6:45:52
